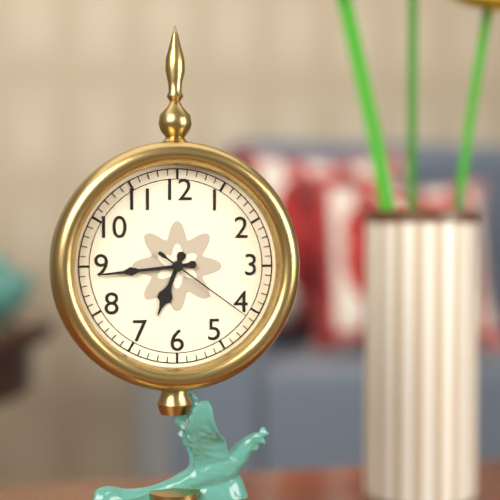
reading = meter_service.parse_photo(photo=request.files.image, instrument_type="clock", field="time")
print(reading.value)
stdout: 6:44:21
